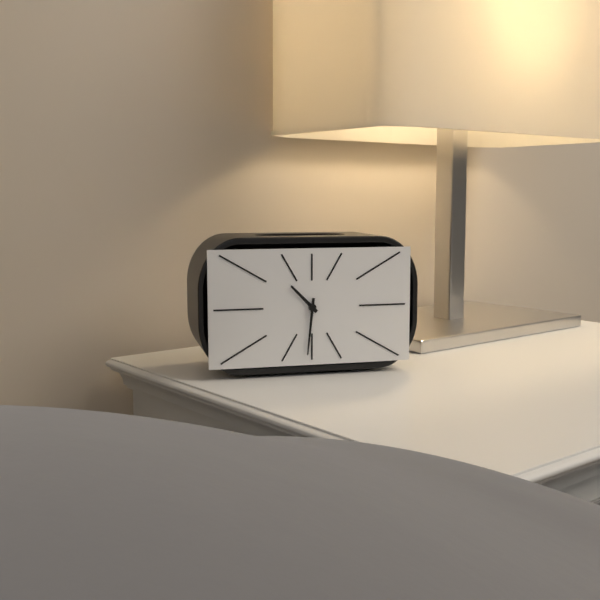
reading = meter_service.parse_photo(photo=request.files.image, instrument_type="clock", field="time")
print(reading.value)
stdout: 10:31
